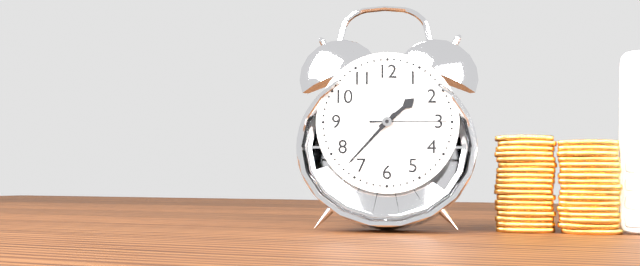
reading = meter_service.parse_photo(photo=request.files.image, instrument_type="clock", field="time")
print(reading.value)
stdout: 1:37:15
